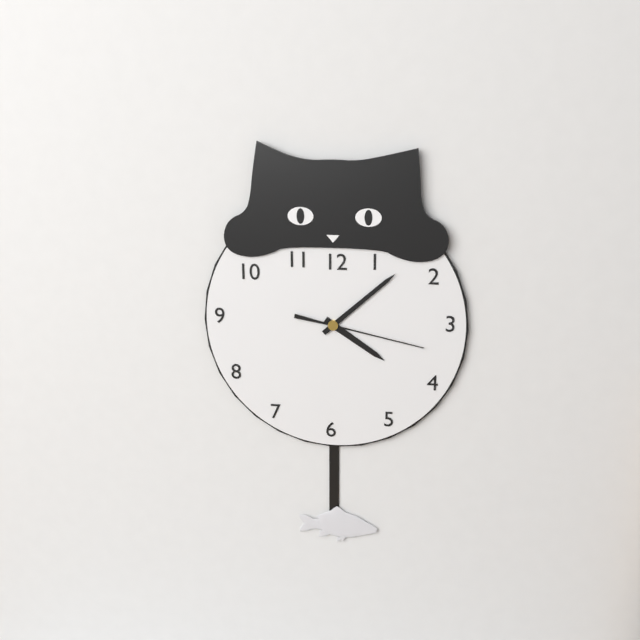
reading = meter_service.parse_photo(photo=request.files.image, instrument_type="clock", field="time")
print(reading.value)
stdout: 4:08:17
